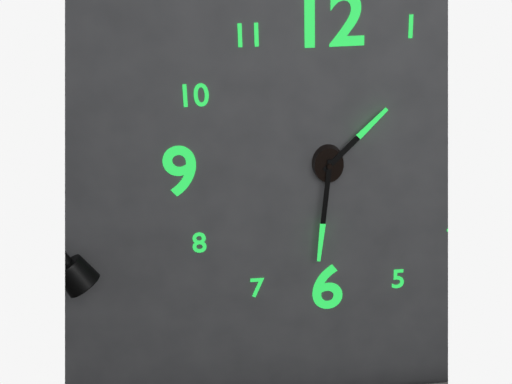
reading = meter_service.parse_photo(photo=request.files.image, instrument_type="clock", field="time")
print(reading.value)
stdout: 1:31
